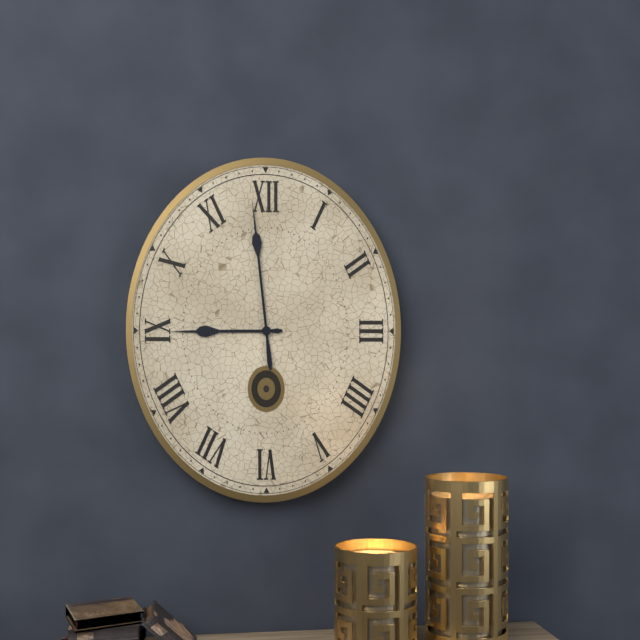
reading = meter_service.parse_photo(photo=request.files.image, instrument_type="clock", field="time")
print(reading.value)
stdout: 8:59
